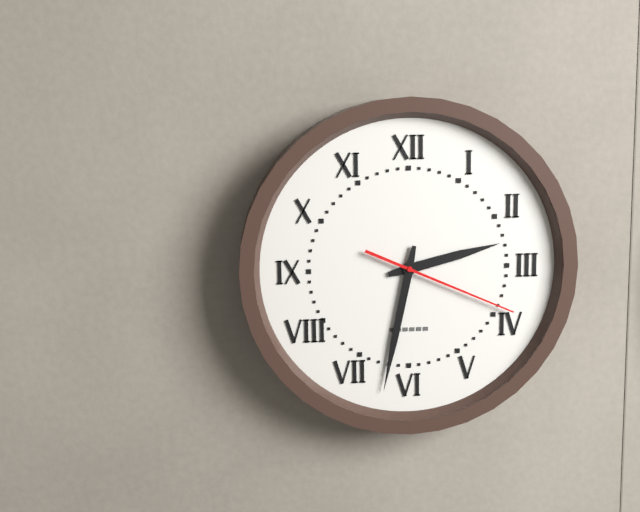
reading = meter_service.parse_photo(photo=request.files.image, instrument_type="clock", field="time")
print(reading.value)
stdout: 2:32:19
